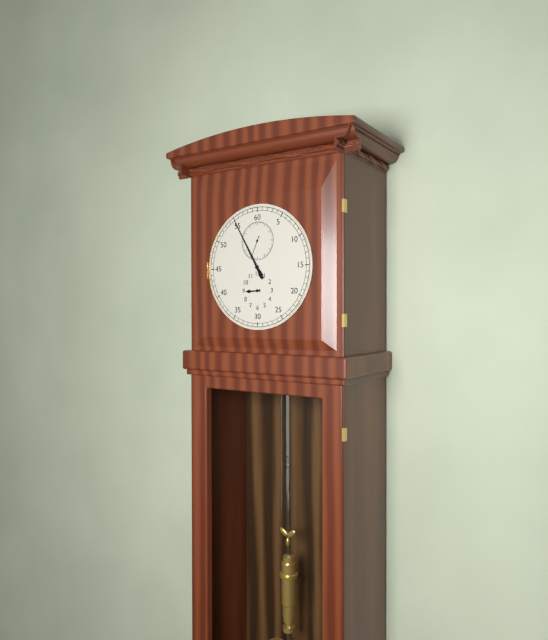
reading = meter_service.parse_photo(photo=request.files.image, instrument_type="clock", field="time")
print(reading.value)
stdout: 8:55
